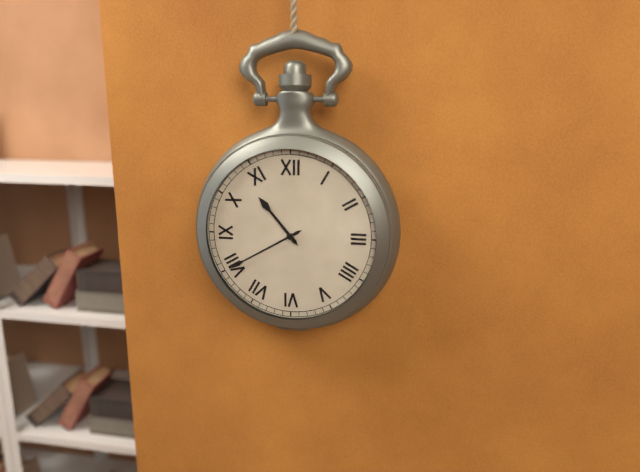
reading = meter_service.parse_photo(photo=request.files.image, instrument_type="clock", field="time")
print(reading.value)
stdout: 10:40
